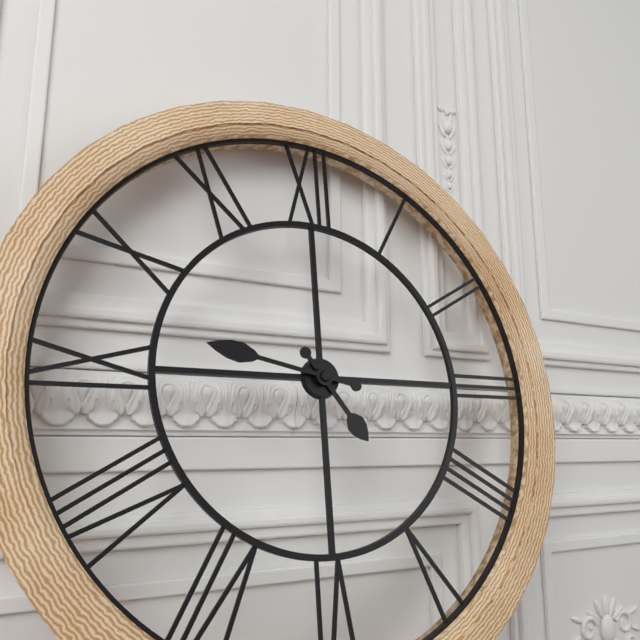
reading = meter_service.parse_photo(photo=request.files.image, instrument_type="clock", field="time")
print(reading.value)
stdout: 4:47
